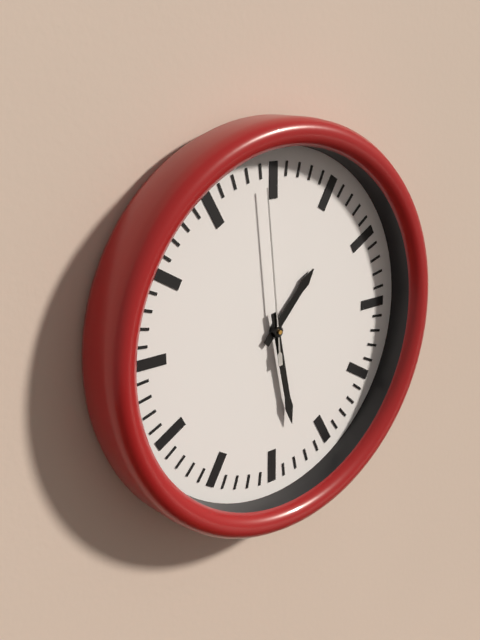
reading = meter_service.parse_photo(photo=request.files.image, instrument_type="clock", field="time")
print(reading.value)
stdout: 1:28:59
